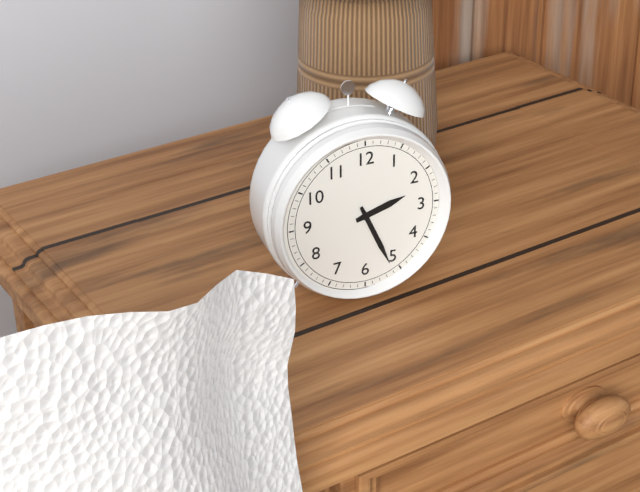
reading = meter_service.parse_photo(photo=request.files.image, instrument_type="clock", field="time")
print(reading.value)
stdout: 2:26
